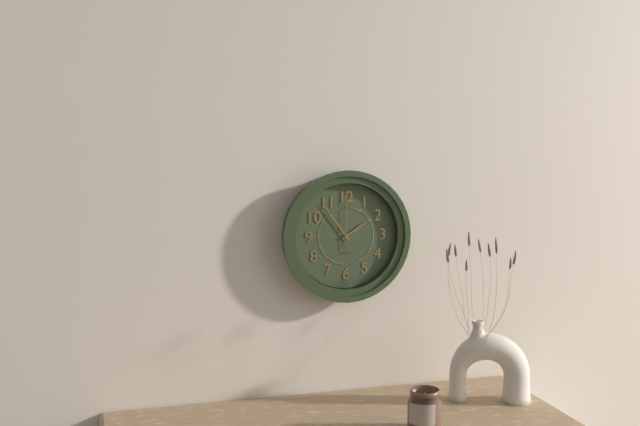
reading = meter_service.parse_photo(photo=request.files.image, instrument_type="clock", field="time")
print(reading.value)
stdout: 1:54:00
